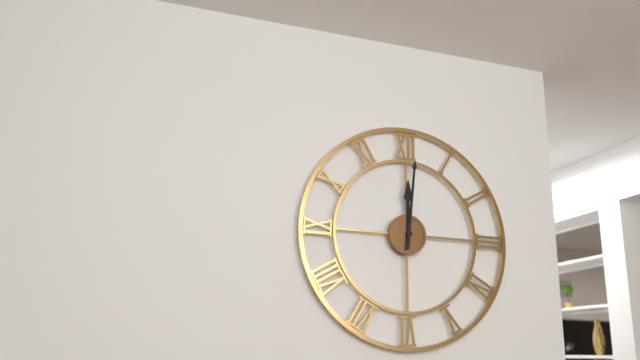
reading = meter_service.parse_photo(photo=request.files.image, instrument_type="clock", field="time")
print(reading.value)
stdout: 12:01
